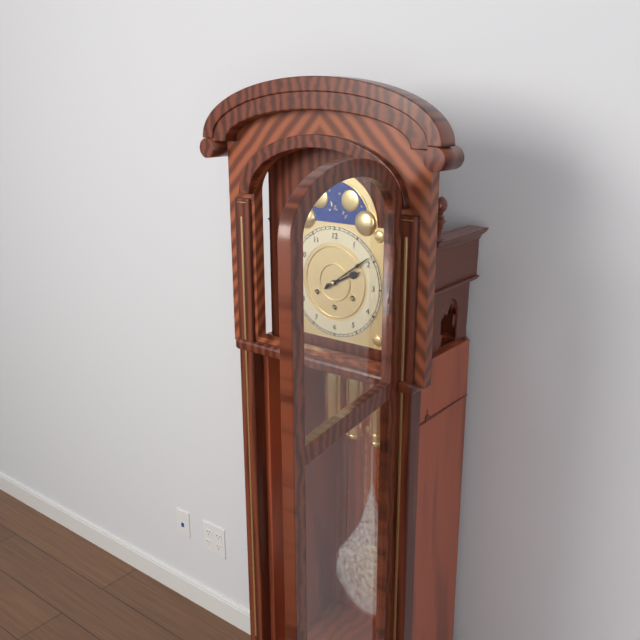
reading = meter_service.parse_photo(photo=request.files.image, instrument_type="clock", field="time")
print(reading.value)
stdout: 2:09
